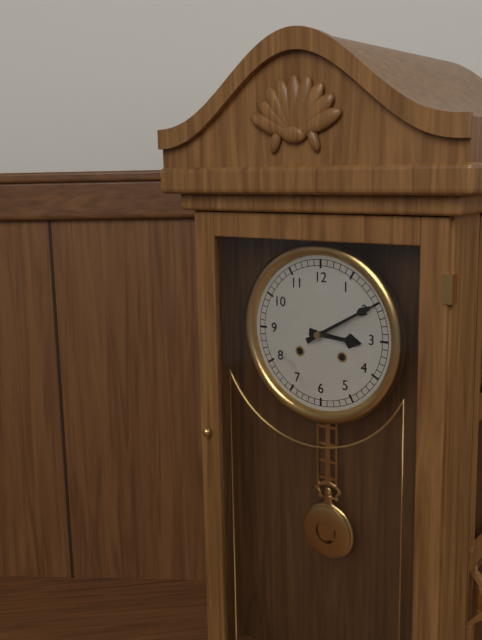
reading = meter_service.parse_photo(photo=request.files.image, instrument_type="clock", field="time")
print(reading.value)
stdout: 3:10
